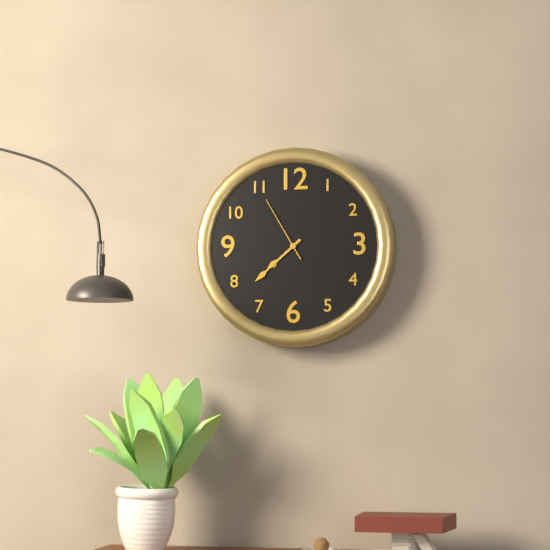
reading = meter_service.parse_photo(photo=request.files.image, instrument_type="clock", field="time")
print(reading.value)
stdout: 7:38:55
